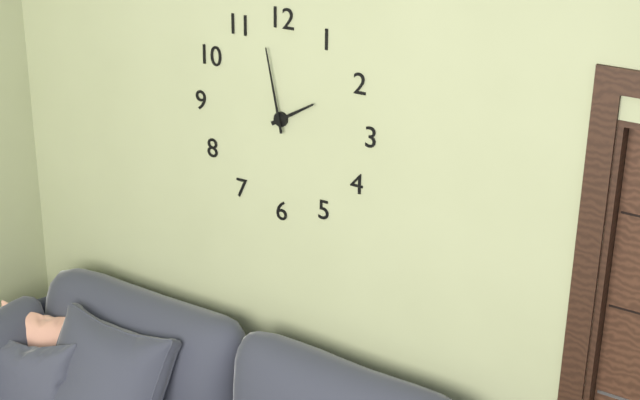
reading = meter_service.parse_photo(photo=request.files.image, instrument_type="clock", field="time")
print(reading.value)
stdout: 1:58
